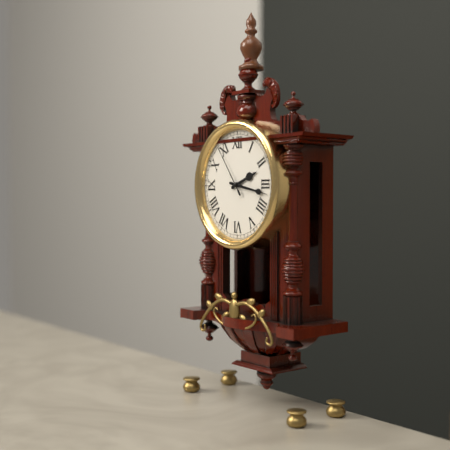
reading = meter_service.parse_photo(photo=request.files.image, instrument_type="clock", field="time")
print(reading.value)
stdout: 2:17:54
